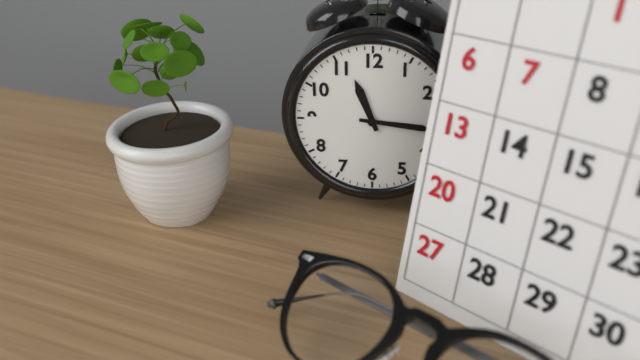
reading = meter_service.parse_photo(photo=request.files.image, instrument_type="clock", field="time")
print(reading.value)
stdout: 11:16
